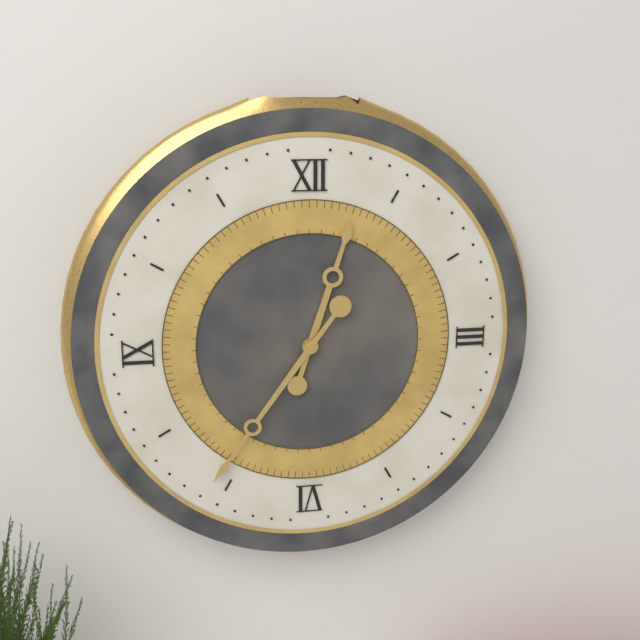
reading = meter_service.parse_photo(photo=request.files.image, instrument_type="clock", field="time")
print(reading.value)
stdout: 12:36
